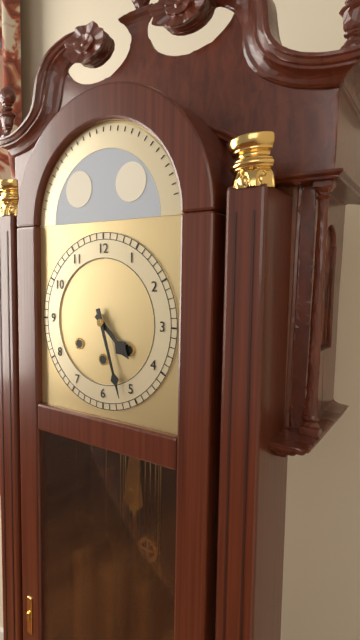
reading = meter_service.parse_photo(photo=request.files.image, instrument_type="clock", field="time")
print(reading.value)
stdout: 4:27
